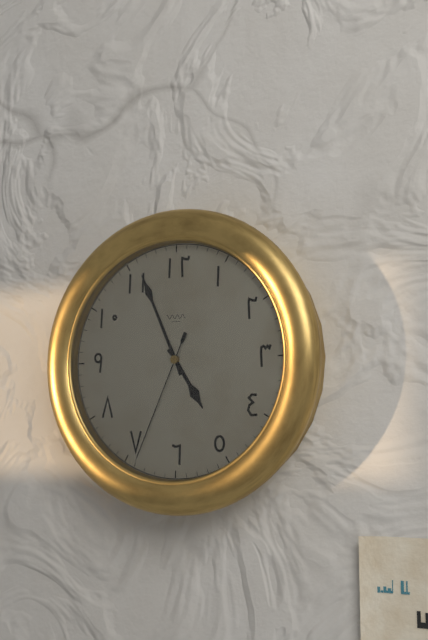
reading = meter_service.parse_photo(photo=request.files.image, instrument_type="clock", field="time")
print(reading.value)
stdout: 4:56:34
